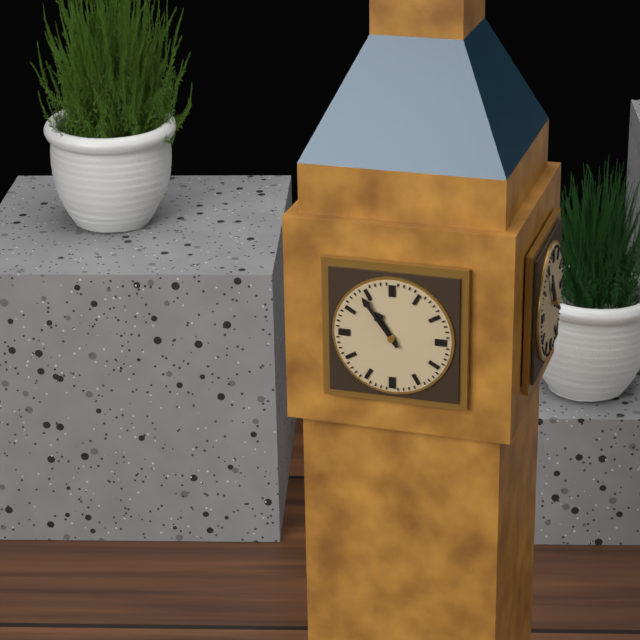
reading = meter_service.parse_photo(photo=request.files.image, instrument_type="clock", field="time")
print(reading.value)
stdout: 10:54
